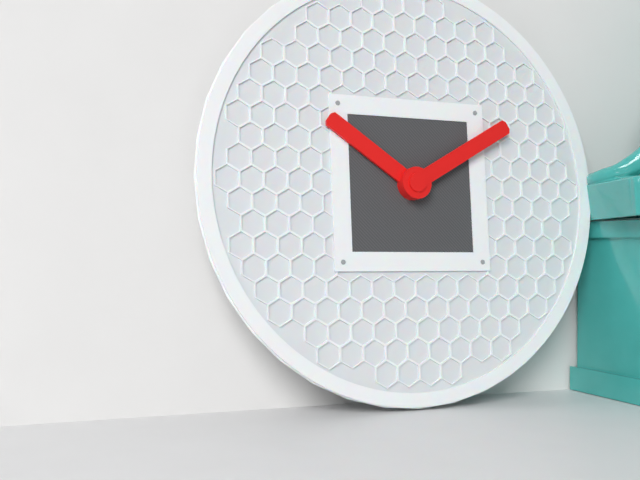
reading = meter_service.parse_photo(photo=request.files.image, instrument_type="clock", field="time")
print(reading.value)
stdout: 10:10
